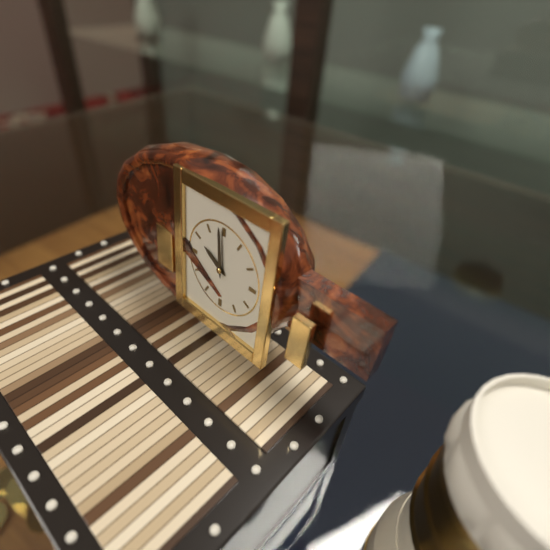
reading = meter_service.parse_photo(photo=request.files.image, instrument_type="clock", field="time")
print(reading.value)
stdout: 9:59
